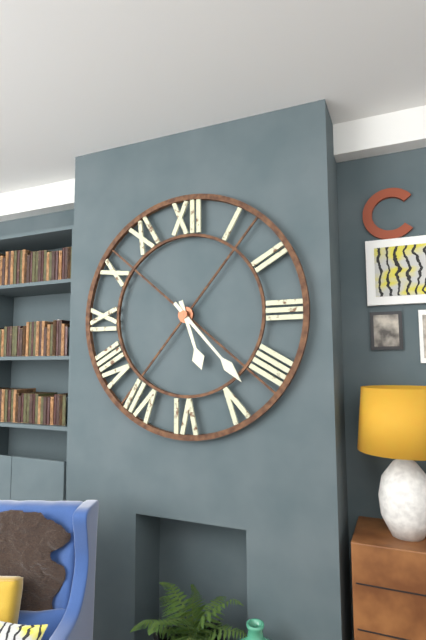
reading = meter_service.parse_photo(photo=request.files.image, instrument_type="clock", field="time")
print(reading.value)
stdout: 5:23
